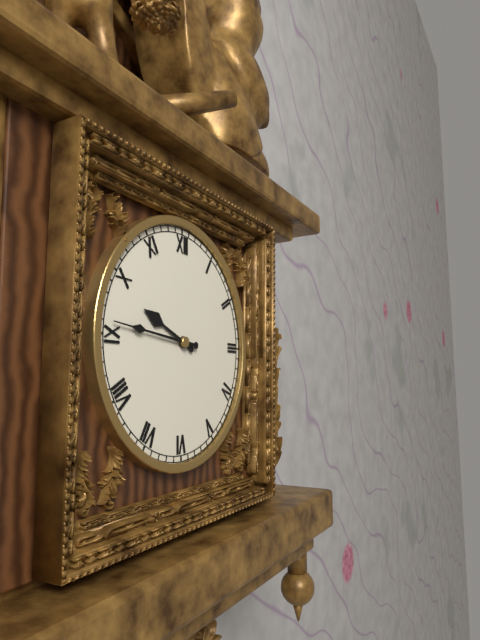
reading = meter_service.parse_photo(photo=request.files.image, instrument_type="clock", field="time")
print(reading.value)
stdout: 9:46
